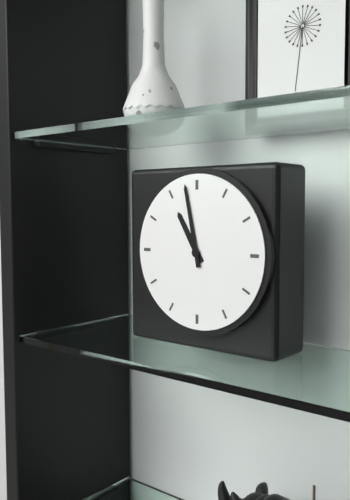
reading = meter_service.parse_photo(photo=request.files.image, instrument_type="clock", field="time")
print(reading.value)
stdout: 10:58
